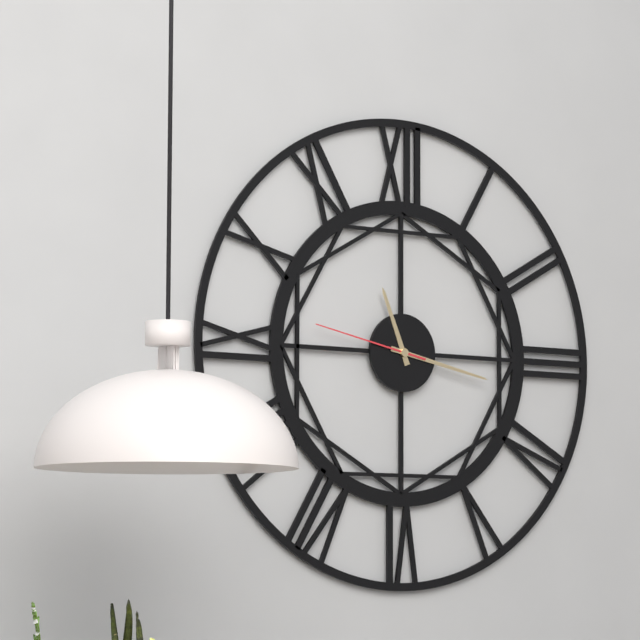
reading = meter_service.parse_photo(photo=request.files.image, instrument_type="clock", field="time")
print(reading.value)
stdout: 11:17:47
